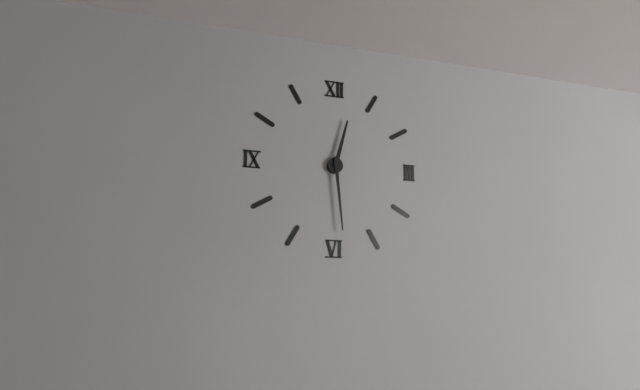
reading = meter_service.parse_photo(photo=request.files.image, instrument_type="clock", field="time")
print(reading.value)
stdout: 12:29
